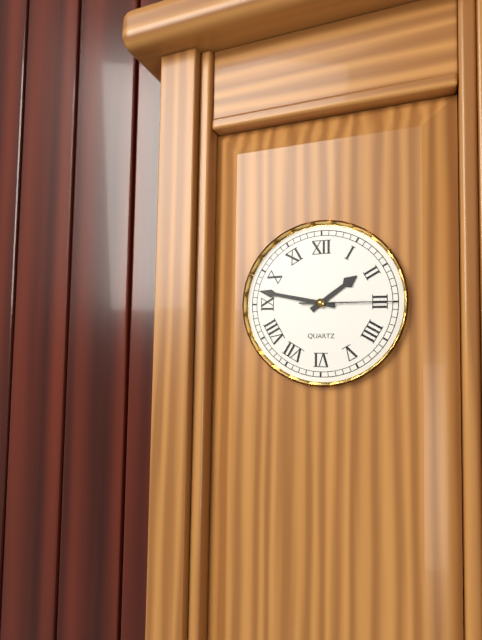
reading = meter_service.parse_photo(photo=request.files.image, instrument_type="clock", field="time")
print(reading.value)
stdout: 1:47:15
